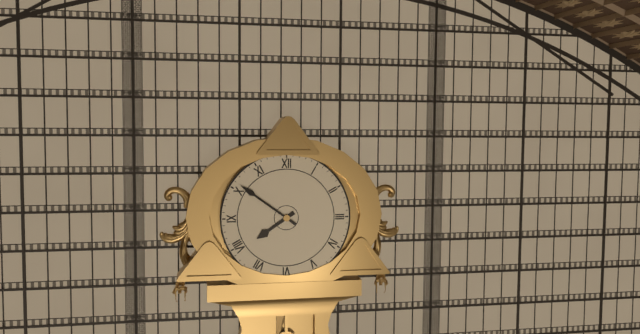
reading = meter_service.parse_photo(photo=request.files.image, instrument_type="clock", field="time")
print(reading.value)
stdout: 7:51
